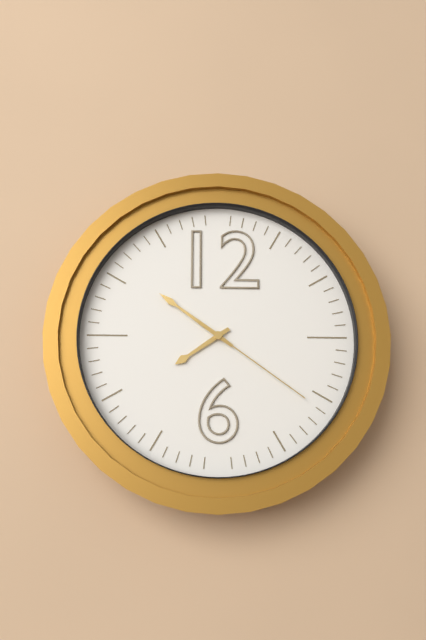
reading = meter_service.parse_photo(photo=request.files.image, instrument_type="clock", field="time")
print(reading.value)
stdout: 7:51:21
